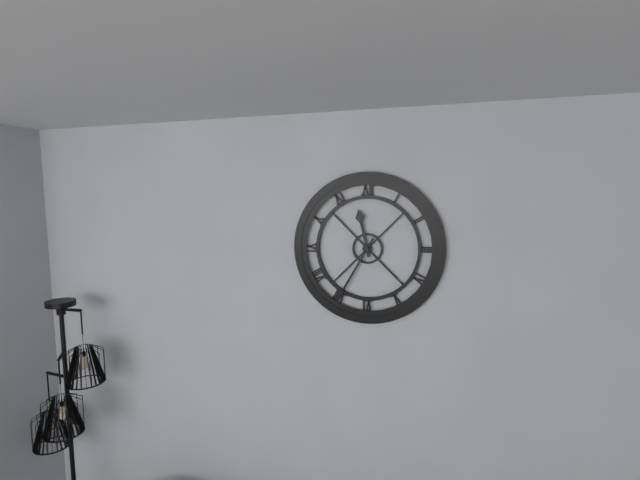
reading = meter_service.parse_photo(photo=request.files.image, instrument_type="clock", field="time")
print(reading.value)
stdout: 11:35
